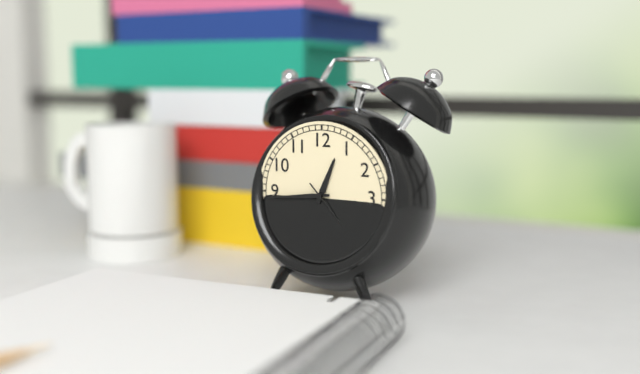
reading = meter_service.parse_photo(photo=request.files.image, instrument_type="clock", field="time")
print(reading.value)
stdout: 12:44
